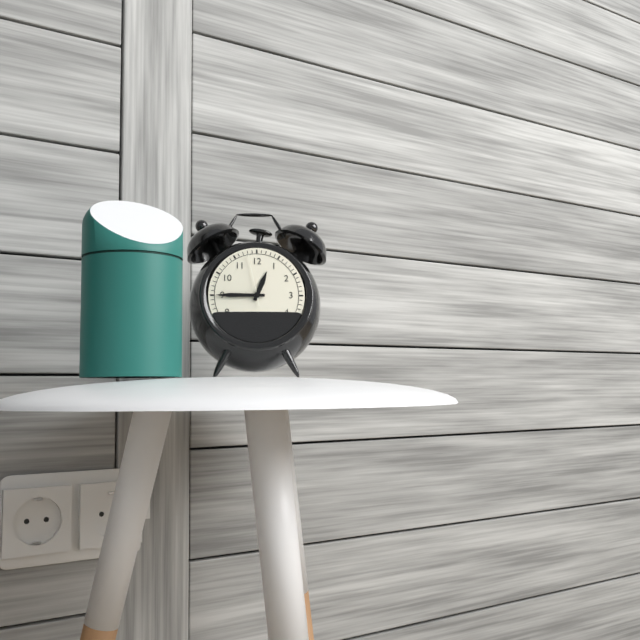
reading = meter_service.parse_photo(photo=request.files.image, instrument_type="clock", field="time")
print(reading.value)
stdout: 12:45:58
